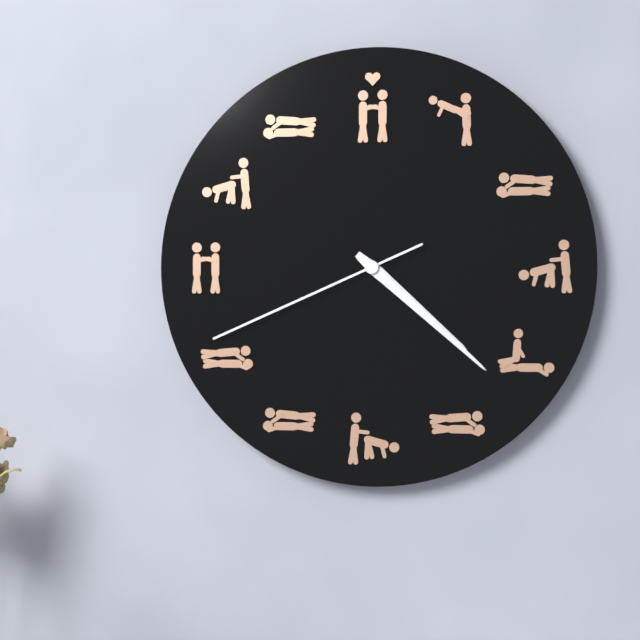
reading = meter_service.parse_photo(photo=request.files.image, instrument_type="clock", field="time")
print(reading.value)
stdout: 4:22:41
